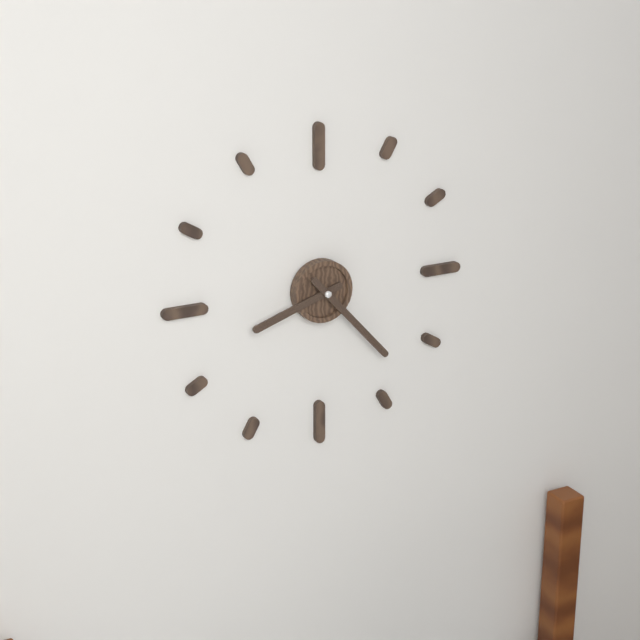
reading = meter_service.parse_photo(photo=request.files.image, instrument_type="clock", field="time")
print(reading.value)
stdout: 8:23
